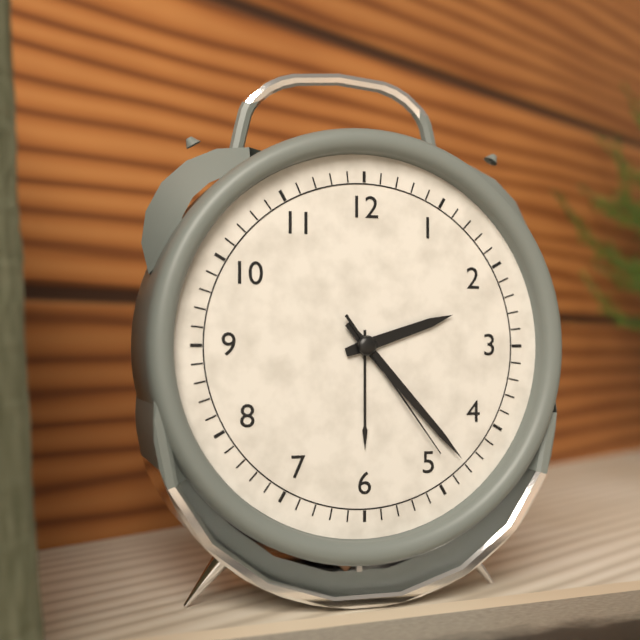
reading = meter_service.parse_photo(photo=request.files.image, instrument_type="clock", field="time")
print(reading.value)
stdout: 2:23:24
